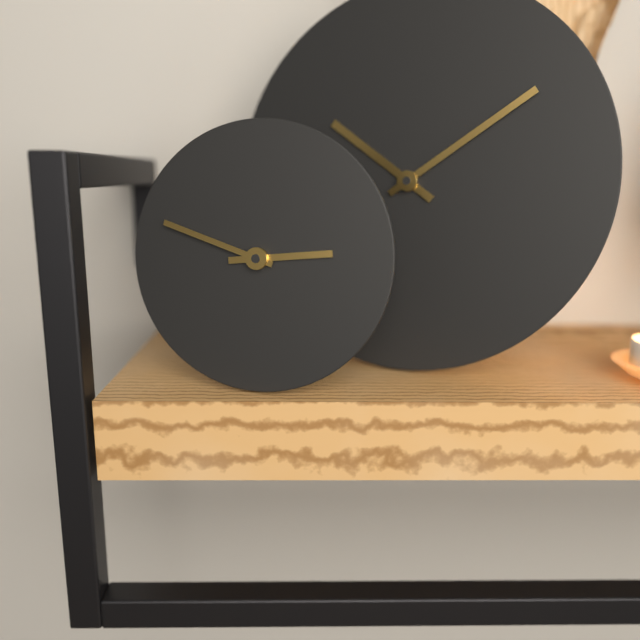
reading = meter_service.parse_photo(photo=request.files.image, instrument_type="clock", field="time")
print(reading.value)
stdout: 2:48
